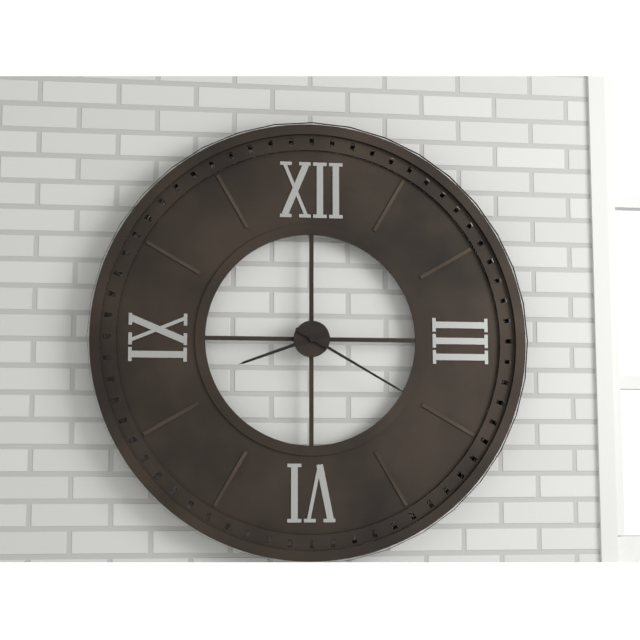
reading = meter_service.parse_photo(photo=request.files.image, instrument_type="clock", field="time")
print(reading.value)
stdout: 8:20
